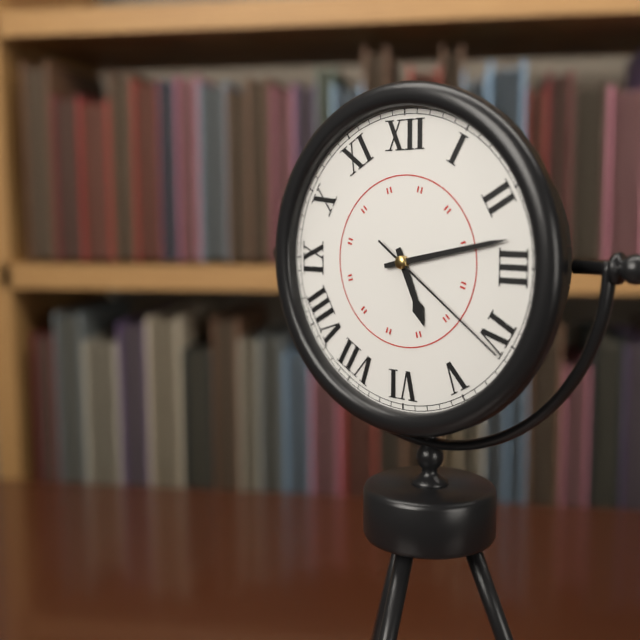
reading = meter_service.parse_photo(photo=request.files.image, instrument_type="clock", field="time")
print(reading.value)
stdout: 5:13:21
